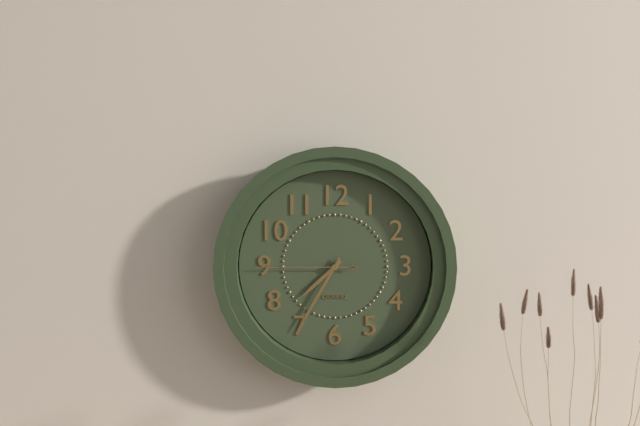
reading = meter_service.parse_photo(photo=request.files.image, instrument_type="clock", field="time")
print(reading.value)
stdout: 7:35:45
